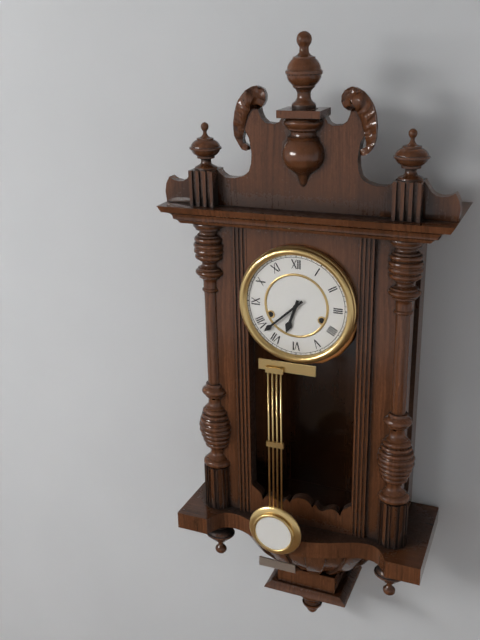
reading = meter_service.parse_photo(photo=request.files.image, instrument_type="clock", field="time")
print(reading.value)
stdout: 6:38
